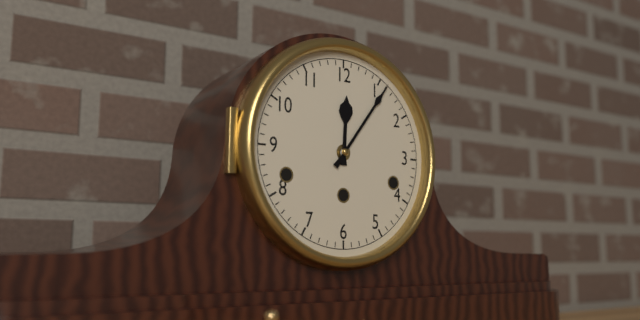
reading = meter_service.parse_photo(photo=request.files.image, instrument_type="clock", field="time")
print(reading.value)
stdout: 12:06
